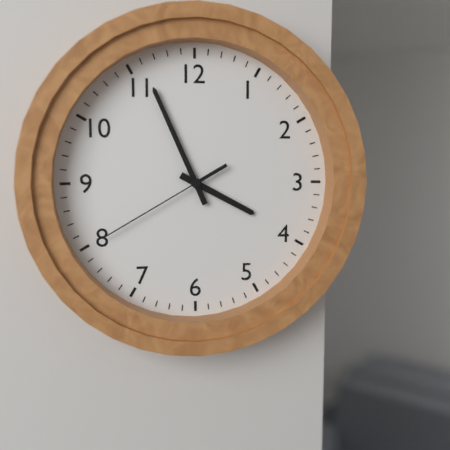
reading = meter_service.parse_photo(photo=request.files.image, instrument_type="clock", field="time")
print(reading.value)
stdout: 3:56:40
